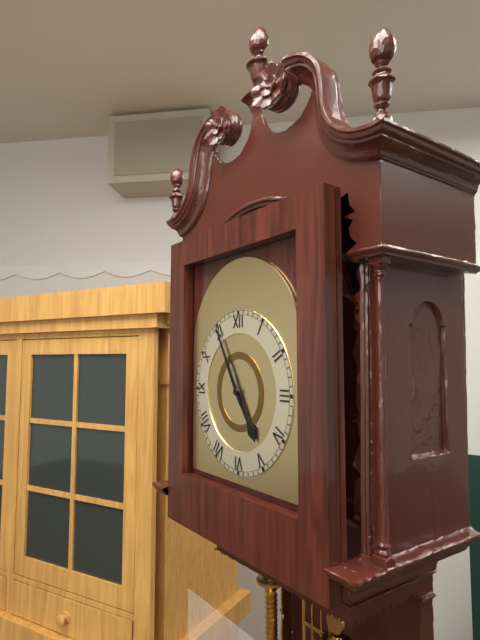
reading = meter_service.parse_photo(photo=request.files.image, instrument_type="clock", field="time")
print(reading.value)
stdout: 4:55
